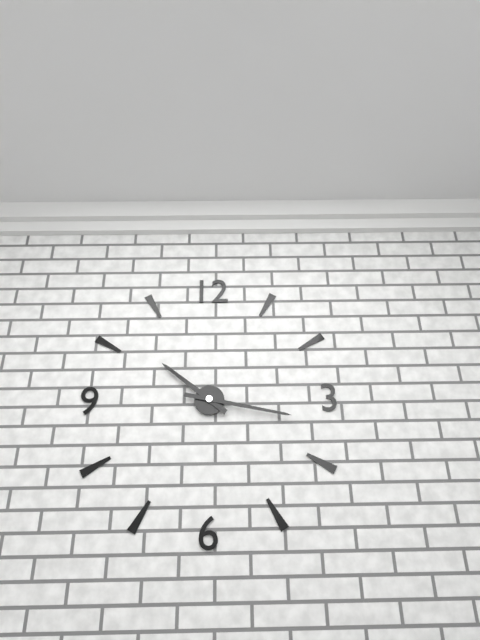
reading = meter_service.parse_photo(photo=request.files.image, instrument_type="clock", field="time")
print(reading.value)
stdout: 10:17
